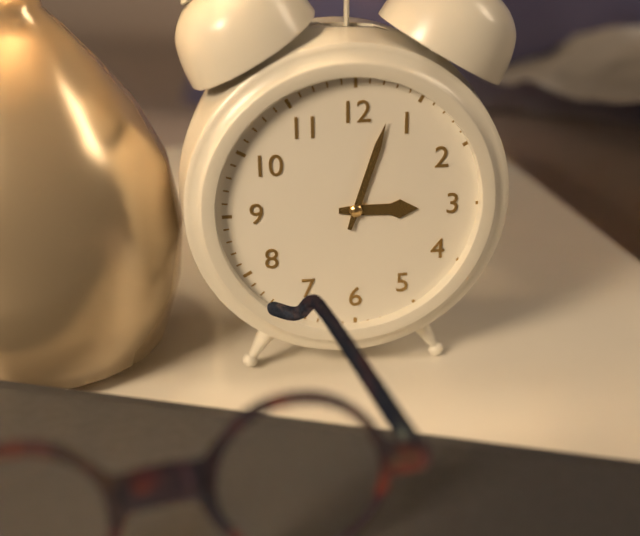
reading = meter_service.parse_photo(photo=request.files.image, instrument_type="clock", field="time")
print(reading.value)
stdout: 3:03
